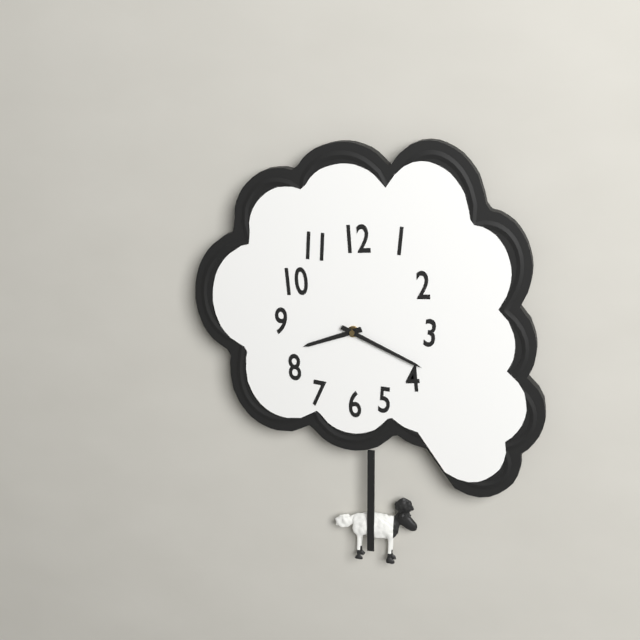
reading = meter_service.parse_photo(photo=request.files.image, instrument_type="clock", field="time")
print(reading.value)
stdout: 8:19
